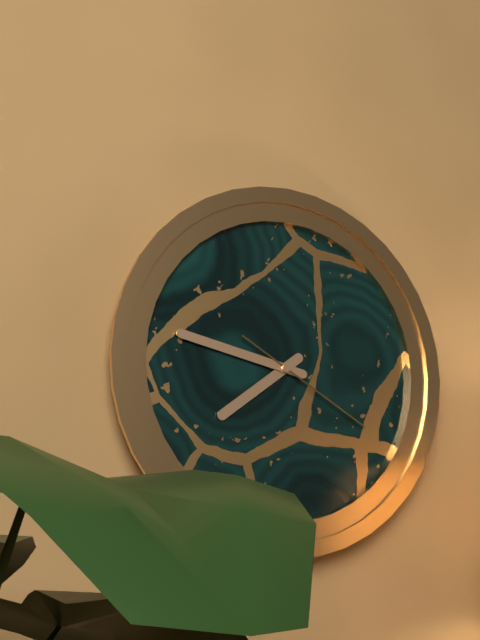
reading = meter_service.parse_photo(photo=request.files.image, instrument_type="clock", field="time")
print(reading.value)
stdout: 7:47:20
